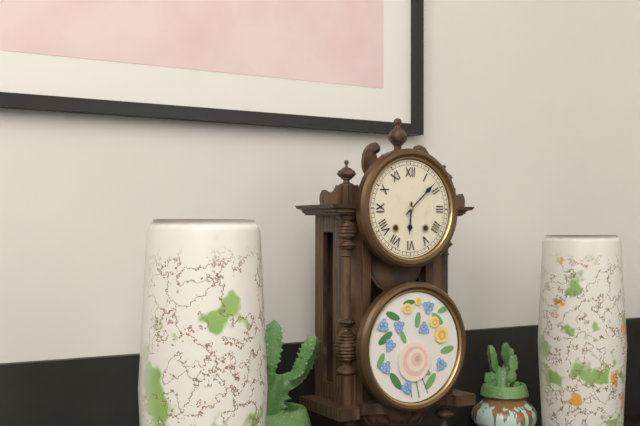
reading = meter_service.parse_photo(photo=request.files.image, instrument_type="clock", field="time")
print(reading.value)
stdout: 6:08
